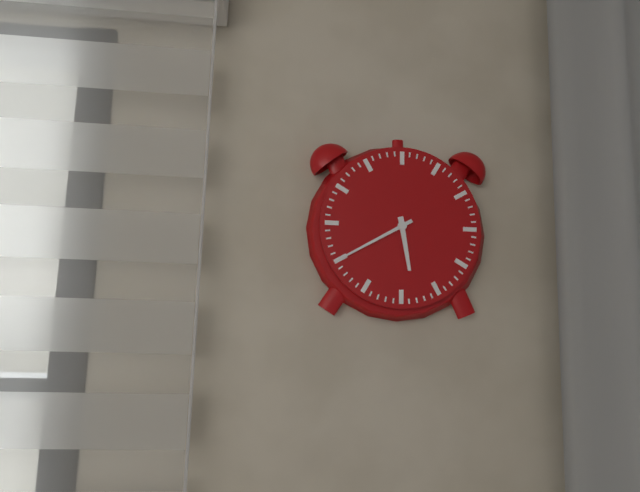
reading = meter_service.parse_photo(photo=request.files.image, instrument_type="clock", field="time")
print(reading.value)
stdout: 5:40
